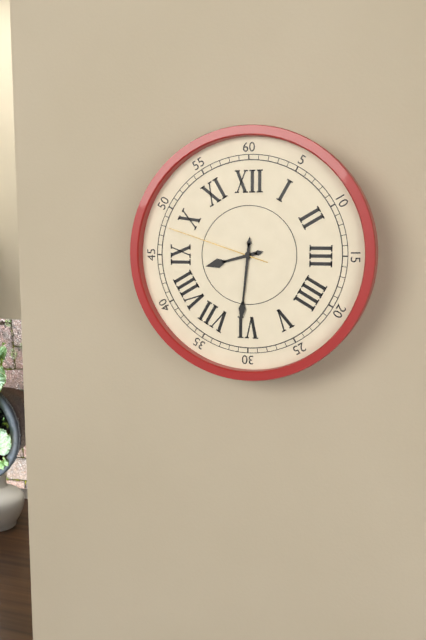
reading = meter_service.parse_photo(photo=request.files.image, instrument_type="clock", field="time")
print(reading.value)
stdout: 8:31:48
